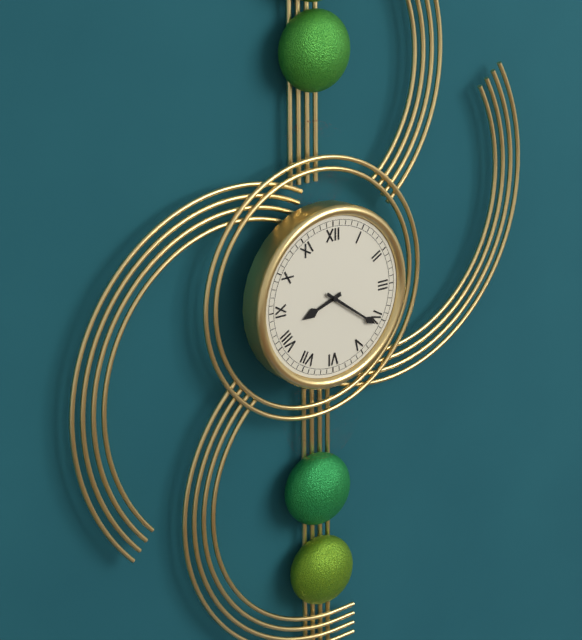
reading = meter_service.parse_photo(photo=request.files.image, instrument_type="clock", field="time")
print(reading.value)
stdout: 8:21
